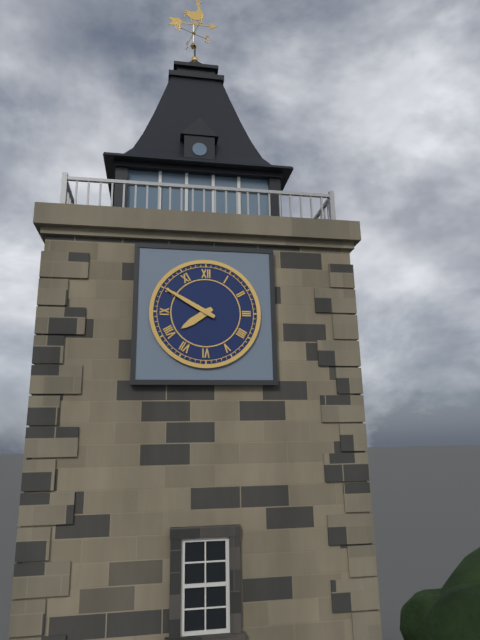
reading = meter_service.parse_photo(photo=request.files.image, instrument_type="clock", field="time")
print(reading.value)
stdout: 7:50
